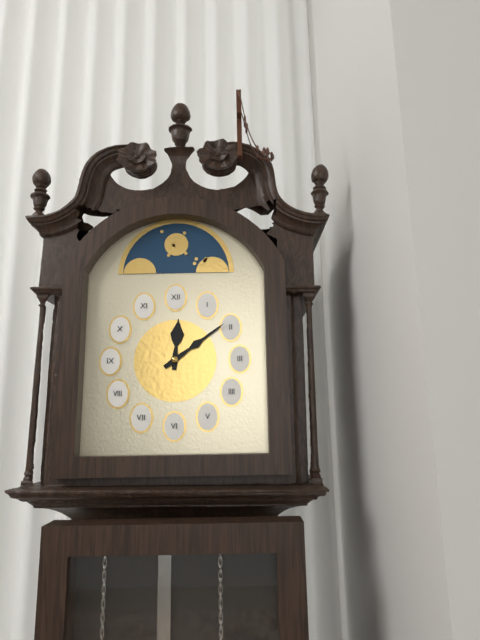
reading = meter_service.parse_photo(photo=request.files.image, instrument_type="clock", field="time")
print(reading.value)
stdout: 12:09
